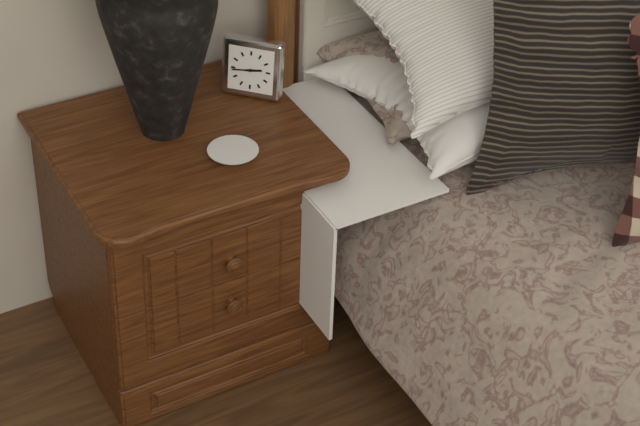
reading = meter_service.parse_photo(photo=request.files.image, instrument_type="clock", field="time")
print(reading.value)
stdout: 2:44
